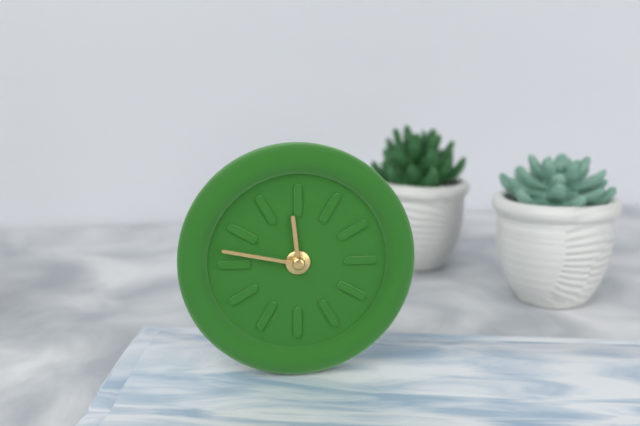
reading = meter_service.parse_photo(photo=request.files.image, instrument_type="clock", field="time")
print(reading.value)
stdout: 11:47
